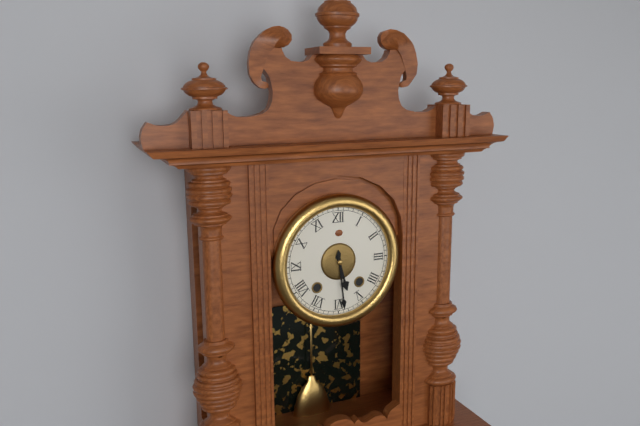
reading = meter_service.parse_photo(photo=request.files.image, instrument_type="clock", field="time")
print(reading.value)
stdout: 5:29
